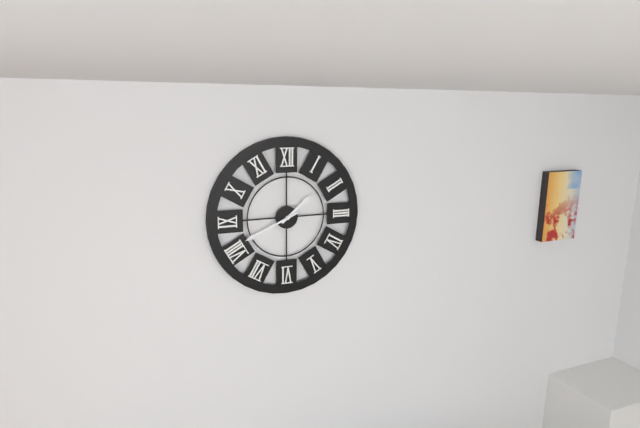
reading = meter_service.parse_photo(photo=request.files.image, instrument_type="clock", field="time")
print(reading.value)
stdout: 1:41
